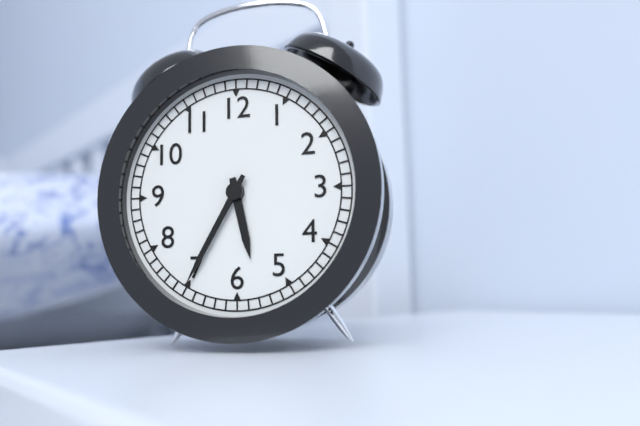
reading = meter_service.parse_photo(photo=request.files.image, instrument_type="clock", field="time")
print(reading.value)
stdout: 5:35
